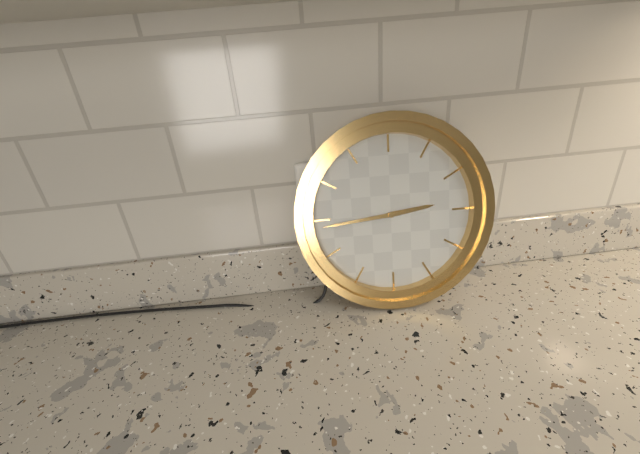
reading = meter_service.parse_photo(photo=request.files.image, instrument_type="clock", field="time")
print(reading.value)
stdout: 2:44
